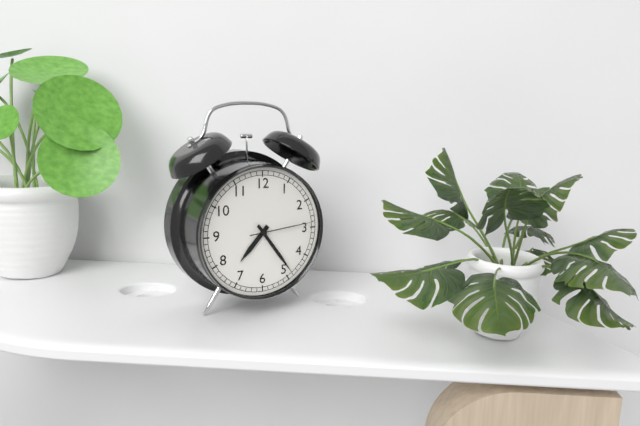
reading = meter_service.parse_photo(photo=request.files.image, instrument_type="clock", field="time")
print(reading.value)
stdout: 7:24:14
